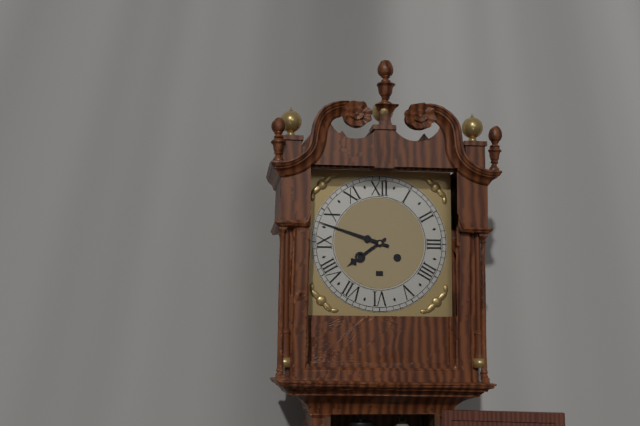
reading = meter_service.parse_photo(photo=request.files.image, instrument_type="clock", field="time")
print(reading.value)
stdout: 7:48
